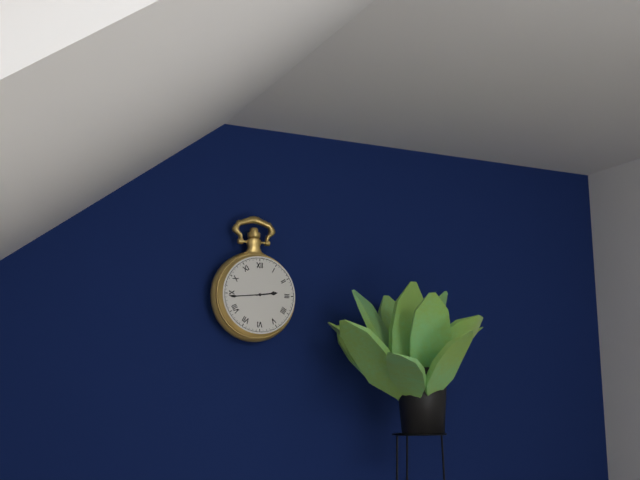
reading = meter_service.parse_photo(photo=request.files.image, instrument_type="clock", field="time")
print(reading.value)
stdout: 2:44
